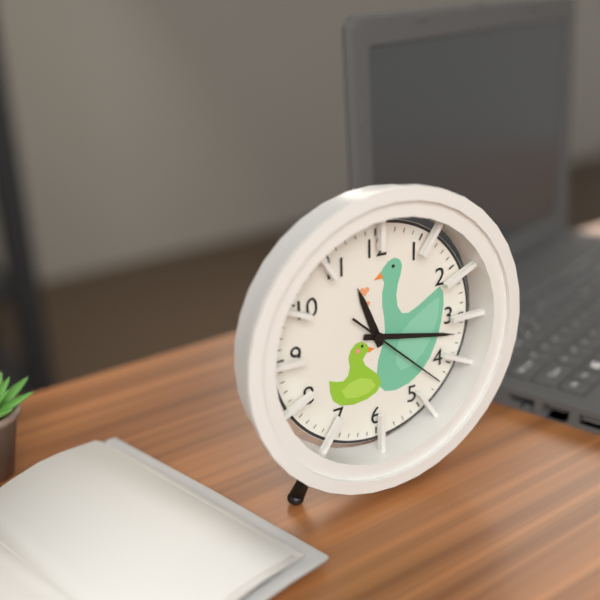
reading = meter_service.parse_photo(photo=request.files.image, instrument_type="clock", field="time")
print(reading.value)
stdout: 11:17:22
